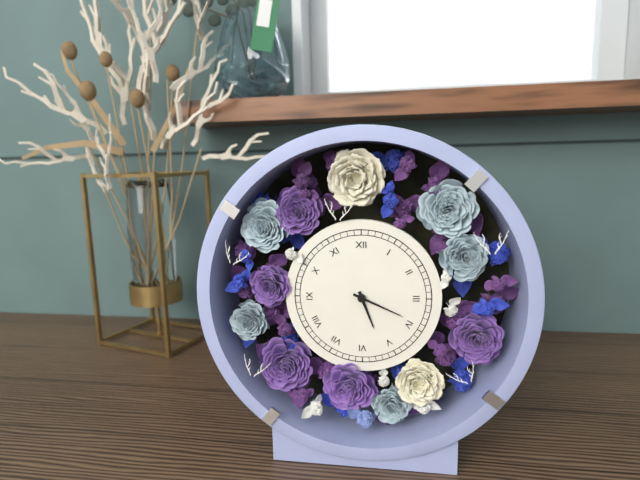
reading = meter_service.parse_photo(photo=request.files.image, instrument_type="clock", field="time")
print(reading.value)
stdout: 5:19
